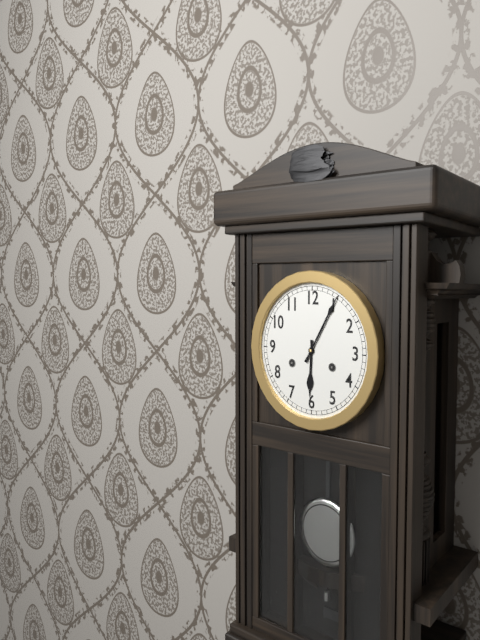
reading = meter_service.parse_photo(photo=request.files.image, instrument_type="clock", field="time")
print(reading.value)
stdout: 6:05
